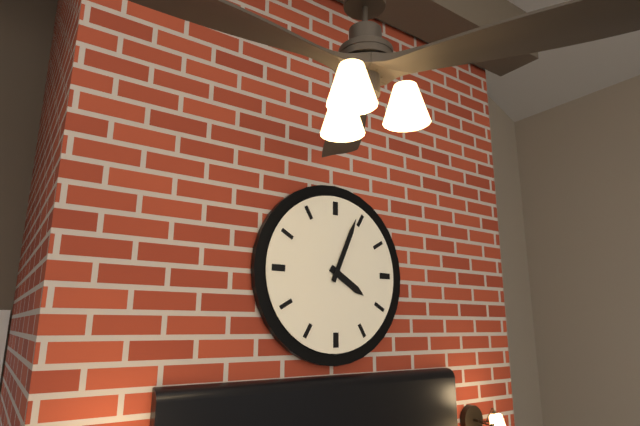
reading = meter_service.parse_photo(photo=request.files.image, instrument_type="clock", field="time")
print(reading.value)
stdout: 4:04
